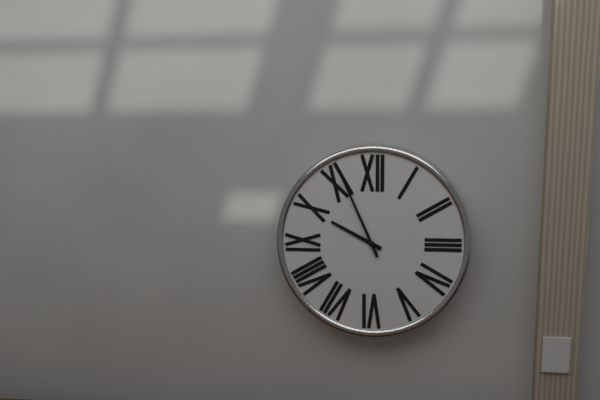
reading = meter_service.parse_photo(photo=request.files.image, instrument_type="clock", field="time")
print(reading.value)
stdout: 9:56
